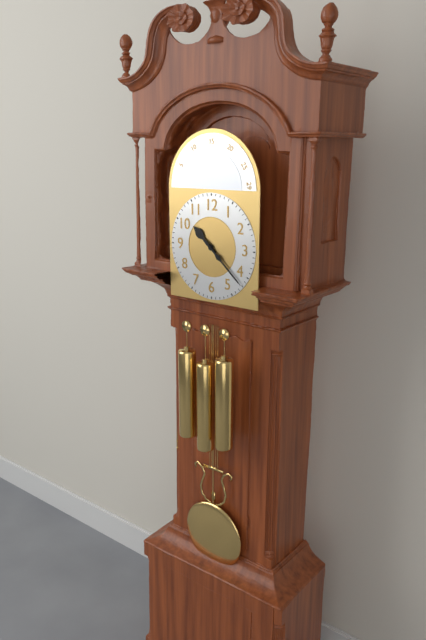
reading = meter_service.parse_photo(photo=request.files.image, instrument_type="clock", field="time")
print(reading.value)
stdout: 10:22
